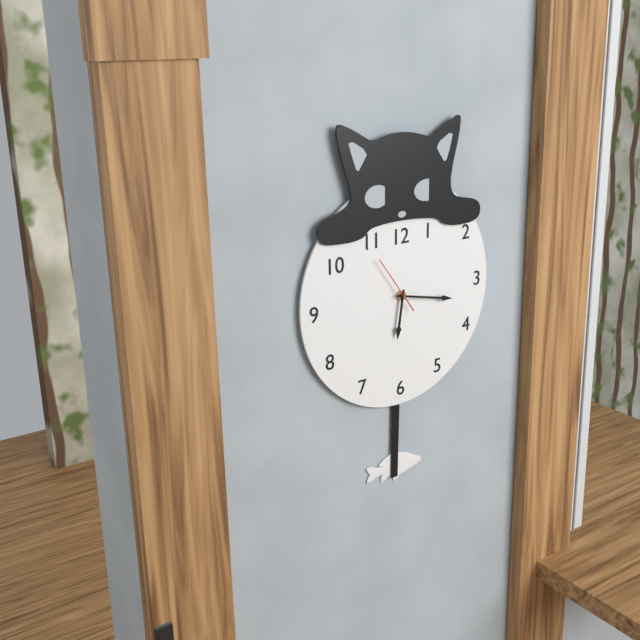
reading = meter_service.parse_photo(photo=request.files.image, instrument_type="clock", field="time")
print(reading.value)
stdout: 6:17
